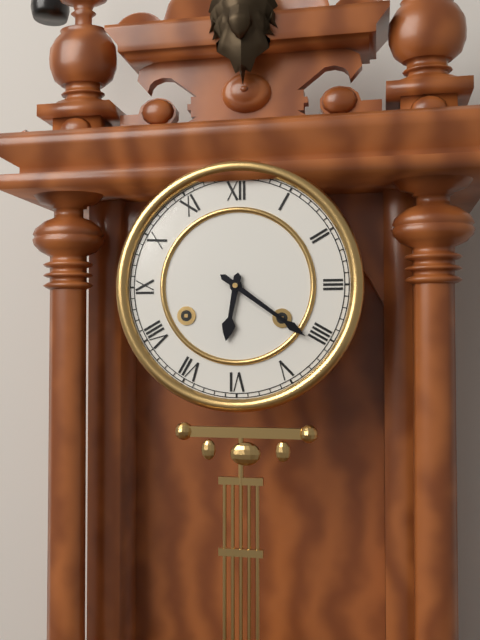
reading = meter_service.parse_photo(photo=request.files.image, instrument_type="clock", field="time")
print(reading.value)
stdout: 6:21
